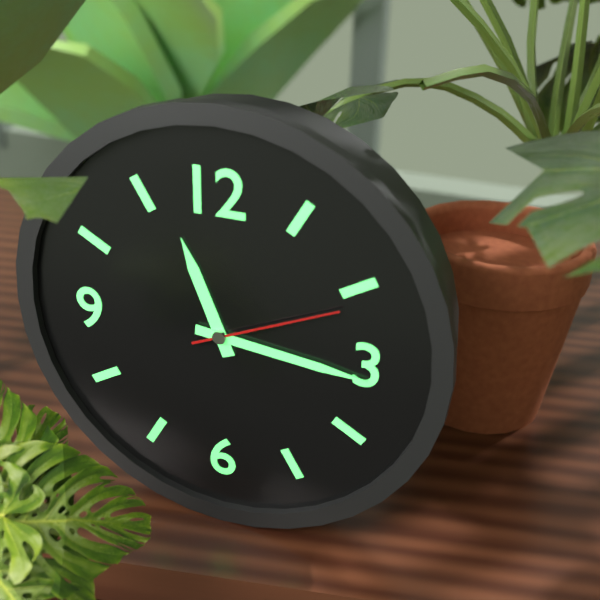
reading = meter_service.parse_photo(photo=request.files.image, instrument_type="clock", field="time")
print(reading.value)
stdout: 11:16:11
